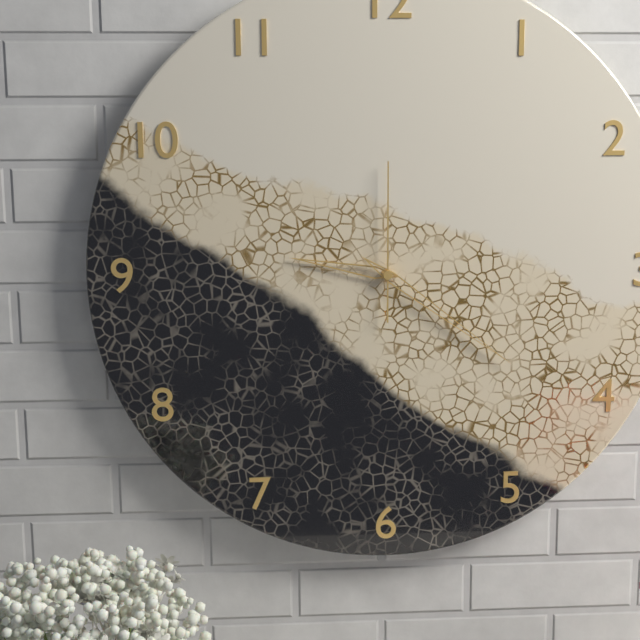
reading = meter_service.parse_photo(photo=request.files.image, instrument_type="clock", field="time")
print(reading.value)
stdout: 9:21:00
